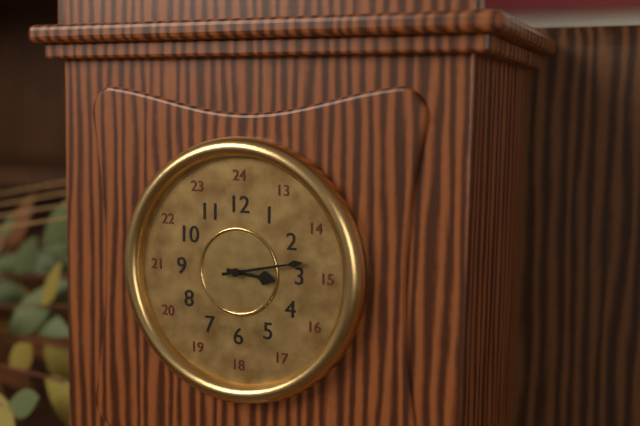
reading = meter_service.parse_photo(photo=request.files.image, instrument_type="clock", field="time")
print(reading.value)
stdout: 3:13
